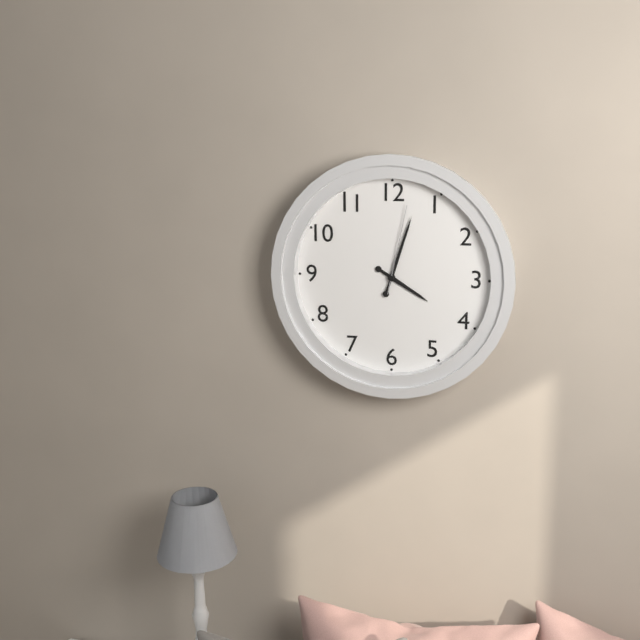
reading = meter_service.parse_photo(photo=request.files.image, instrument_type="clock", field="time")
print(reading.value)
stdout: 4:03:02
